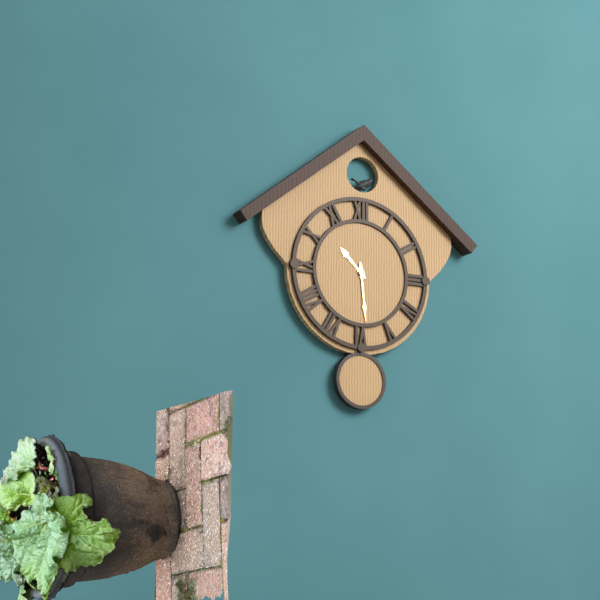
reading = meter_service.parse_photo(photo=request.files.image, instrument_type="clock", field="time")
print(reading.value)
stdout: 10:29
